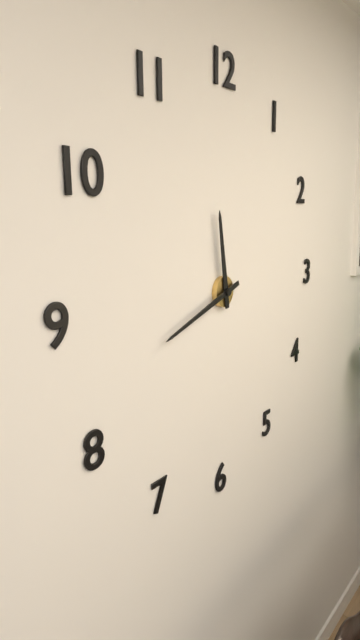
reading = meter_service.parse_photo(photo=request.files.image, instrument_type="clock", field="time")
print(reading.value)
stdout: 11:42
